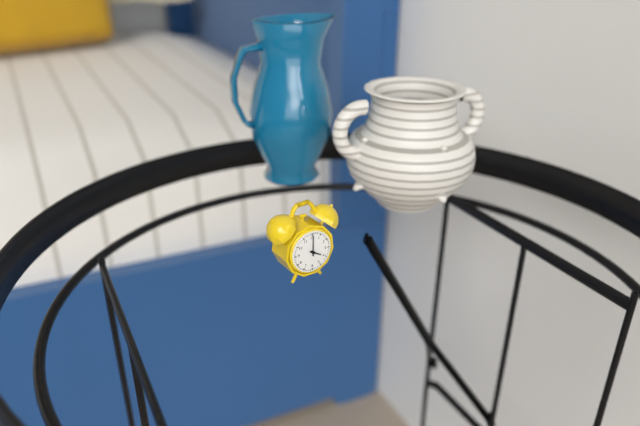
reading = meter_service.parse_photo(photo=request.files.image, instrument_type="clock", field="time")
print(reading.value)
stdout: 4:00
